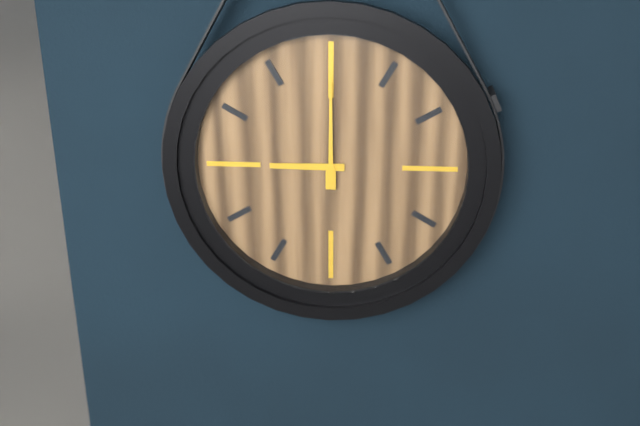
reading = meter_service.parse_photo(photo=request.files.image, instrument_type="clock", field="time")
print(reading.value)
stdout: 9:00
